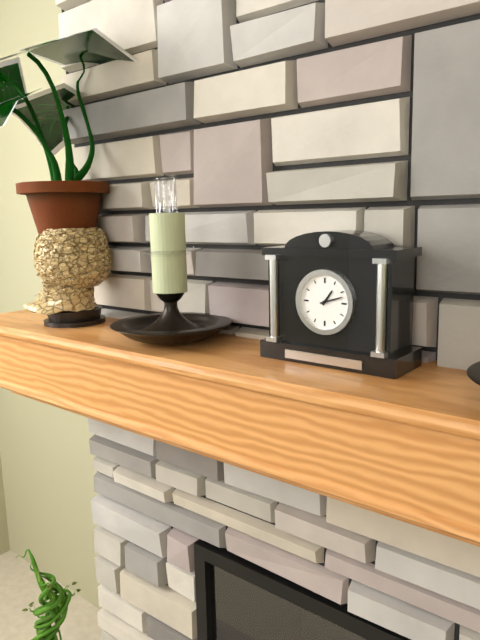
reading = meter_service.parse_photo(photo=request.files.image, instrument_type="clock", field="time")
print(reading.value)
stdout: 1:12
